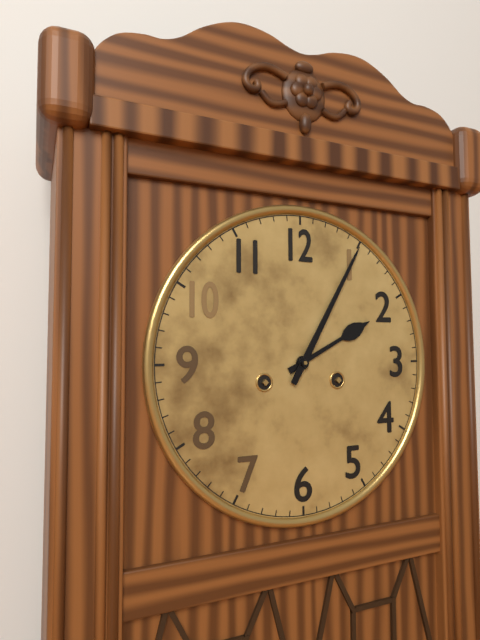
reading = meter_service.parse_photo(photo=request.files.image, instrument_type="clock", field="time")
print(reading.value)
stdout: 2:05
